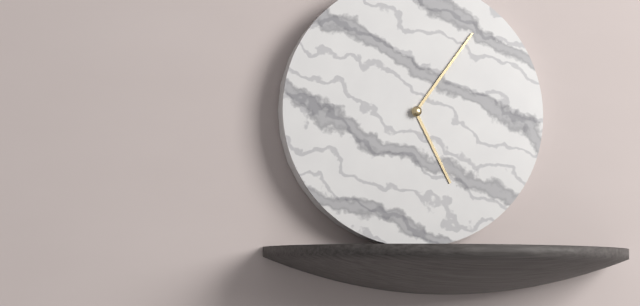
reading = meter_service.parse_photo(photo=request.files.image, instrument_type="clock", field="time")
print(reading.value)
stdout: 5:06
